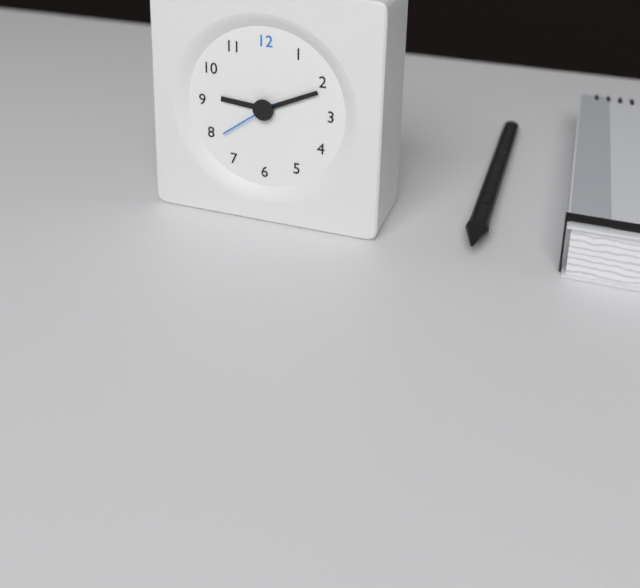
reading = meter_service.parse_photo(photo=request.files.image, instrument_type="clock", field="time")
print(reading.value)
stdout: 9:11:39
